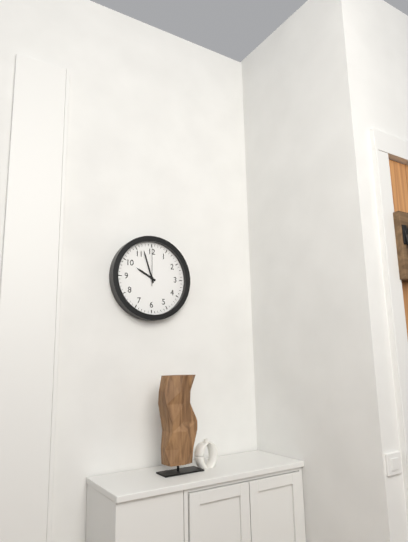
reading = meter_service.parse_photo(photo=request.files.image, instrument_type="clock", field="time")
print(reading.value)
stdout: 9:57
